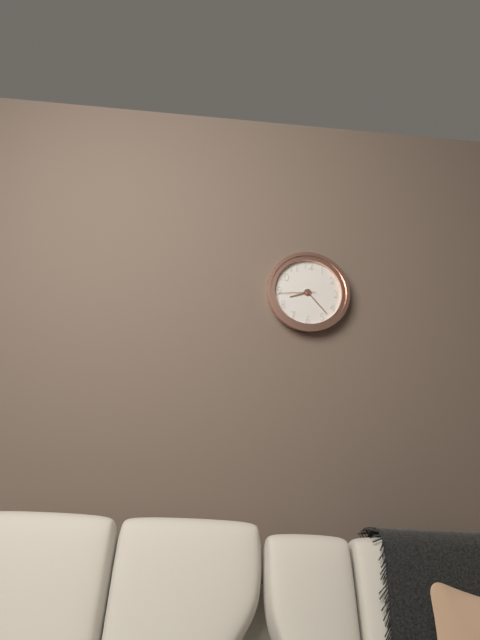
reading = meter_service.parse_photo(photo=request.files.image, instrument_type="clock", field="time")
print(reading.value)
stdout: 8:23
